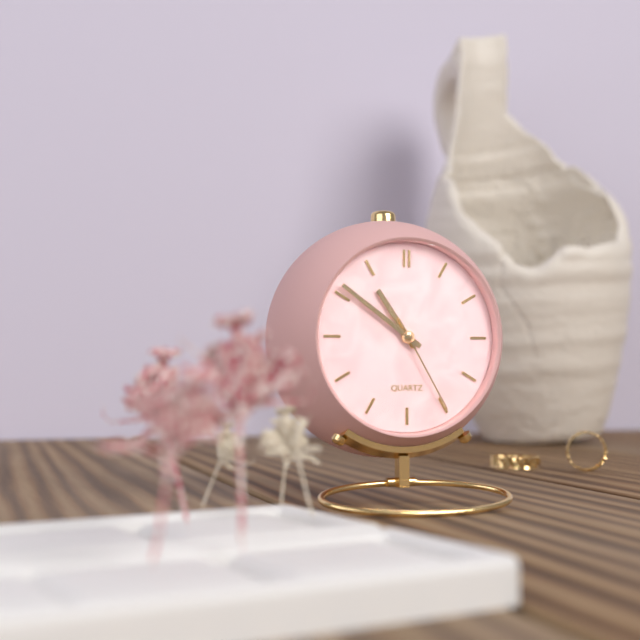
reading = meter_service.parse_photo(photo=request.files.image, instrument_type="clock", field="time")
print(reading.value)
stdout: 10:51:25
